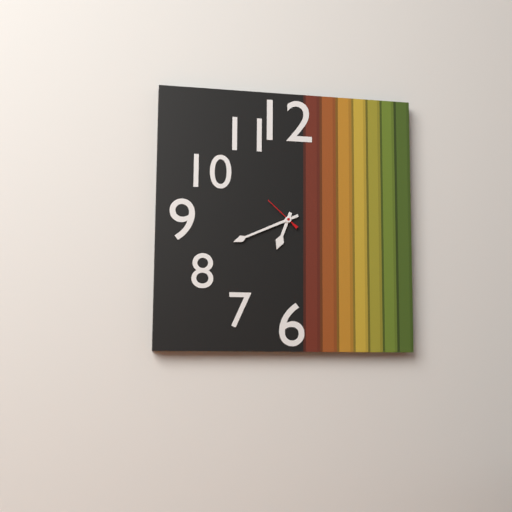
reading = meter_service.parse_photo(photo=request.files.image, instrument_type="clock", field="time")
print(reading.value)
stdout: 6:41
